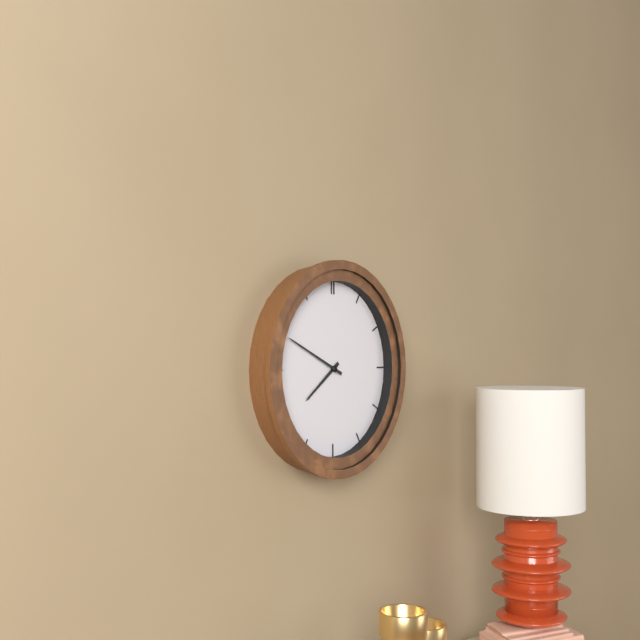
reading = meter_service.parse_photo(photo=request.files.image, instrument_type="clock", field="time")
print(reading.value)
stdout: 7:49
